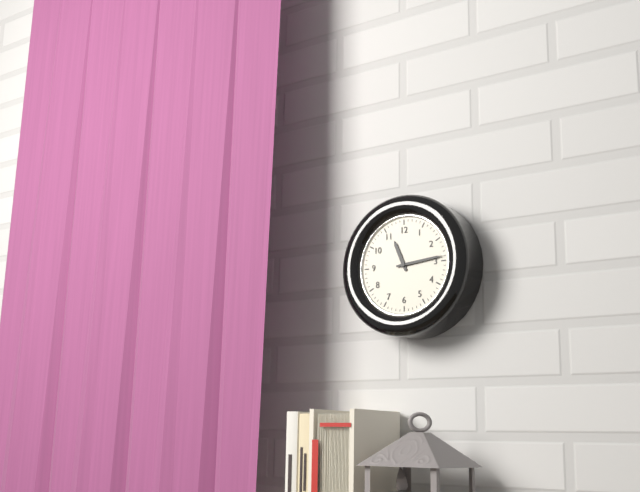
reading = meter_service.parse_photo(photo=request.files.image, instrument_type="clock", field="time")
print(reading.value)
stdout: 11:14
